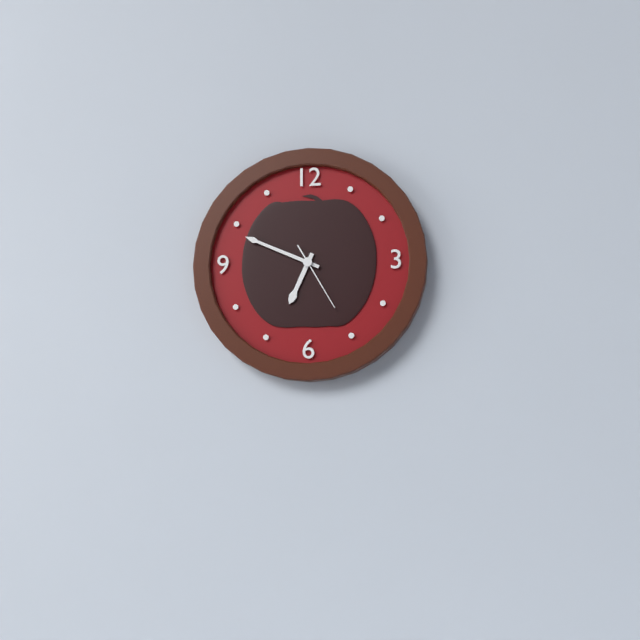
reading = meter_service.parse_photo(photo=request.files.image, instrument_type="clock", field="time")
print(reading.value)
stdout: 6:49:25
